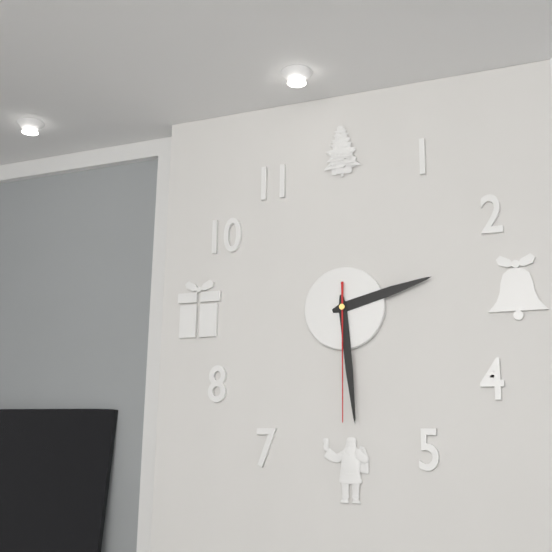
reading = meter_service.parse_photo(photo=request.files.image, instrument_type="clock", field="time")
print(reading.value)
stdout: 2:29:30
